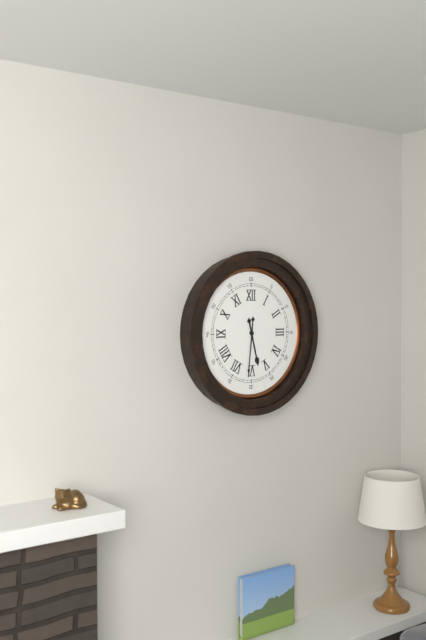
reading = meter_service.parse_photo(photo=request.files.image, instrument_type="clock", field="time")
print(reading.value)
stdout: 5:31
